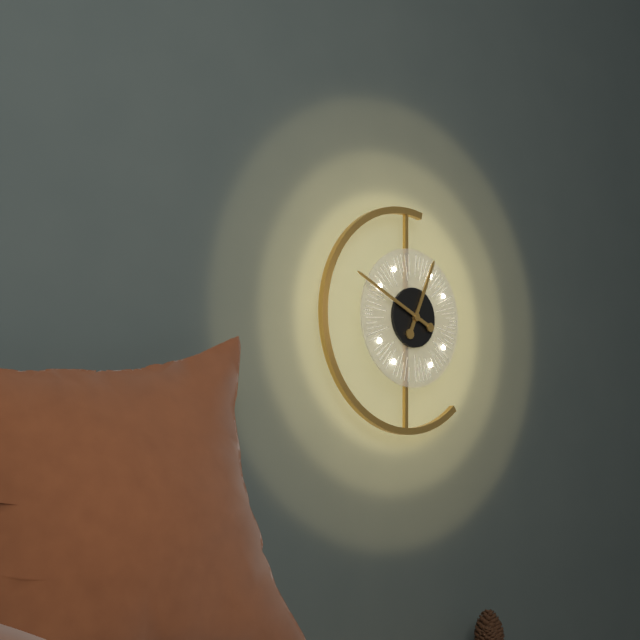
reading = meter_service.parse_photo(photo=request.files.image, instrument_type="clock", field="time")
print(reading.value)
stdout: 12:49
